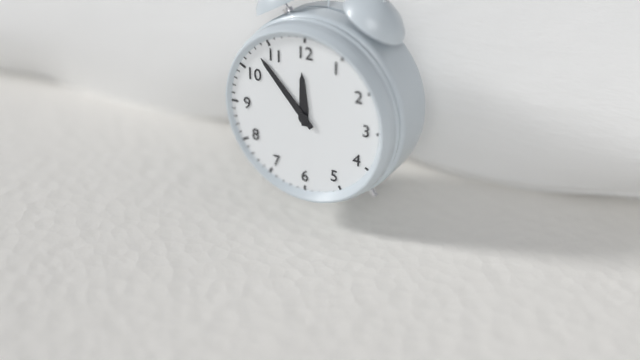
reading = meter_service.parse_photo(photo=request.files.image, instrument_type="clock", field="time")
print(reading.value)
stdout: 11:53
